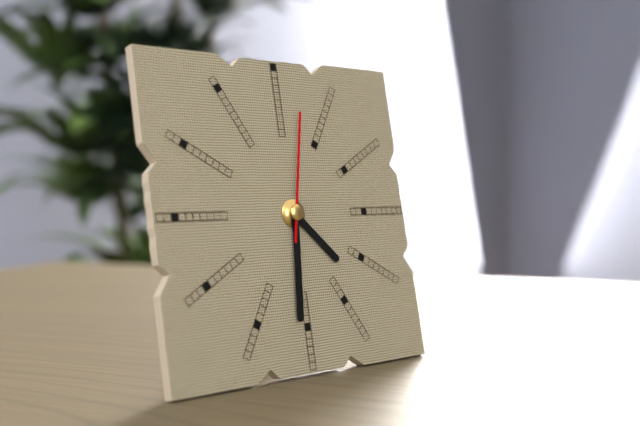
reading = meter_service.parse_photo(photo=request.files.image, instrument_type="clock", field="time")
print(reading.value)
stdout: 4:31:02
